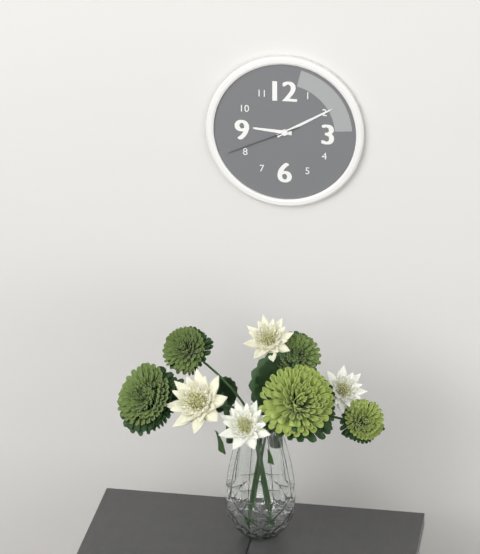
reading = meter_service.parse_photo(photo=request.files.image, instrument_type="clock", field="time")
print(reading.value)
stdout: 9:10:41
